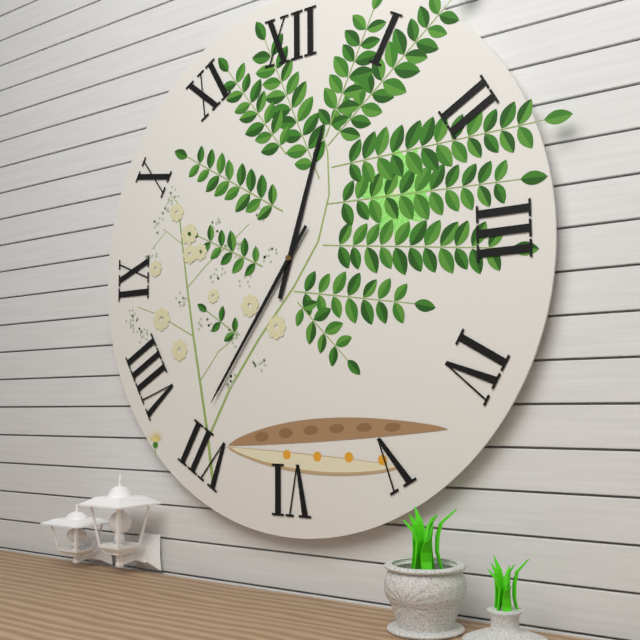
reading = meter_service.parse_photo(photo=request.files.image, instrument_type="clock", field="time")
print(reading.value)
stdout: 12:36
